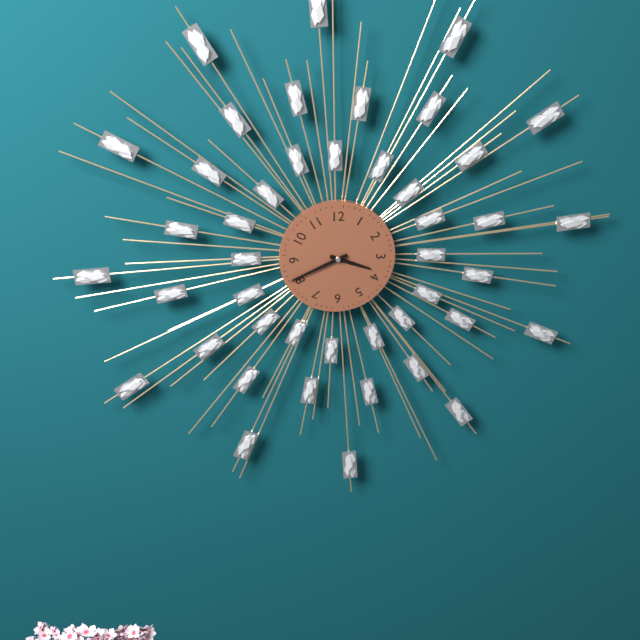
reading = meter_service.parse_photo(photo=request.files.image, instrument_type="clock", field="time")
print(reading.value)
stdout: 3:41
